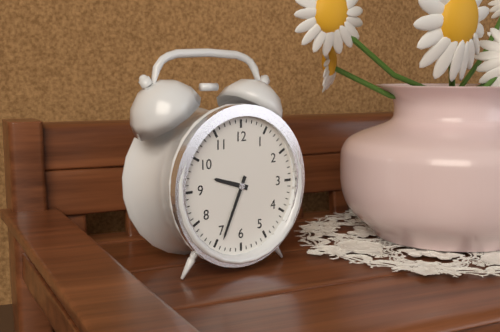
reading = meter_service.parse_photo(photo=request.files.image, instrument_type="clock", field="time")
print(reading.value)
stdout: 9:34
